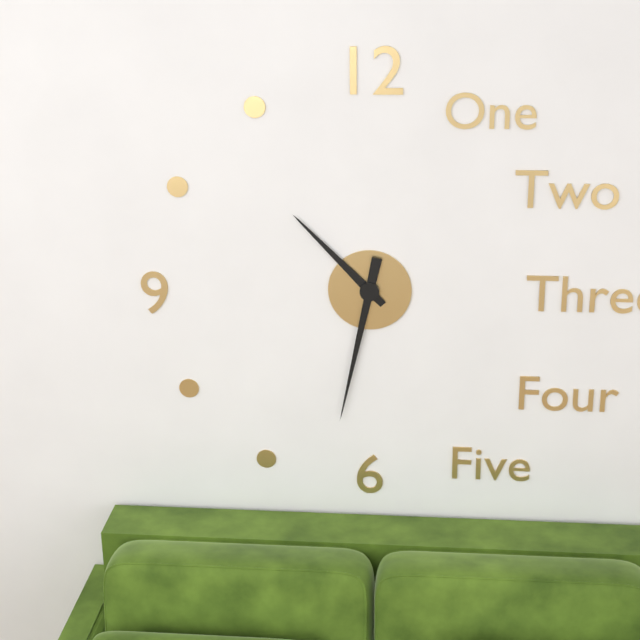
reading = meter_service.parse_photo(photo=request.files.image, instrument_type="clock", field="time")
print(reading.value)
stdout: 10:32
